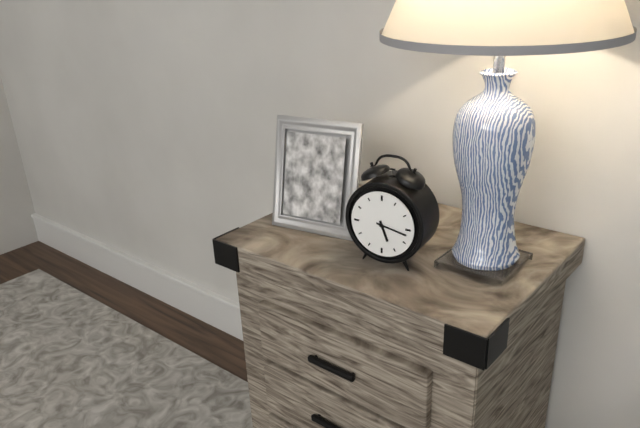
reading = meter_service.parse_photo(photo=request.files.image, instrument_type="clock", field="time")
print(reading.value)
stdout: 5:17
